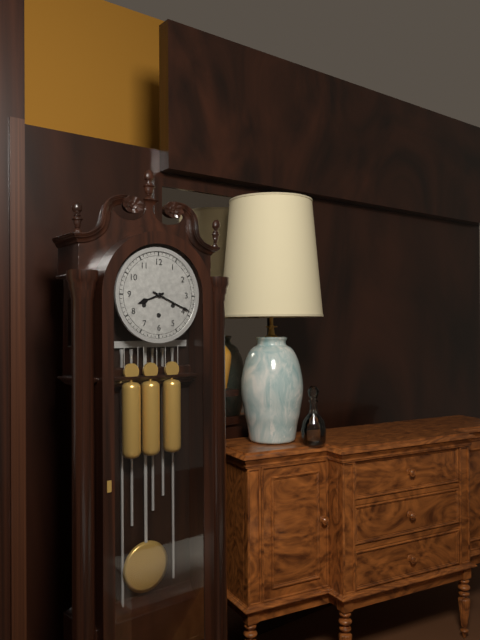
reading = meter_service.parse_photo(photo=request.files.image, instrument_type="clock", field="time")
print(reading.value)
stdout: 8:19
